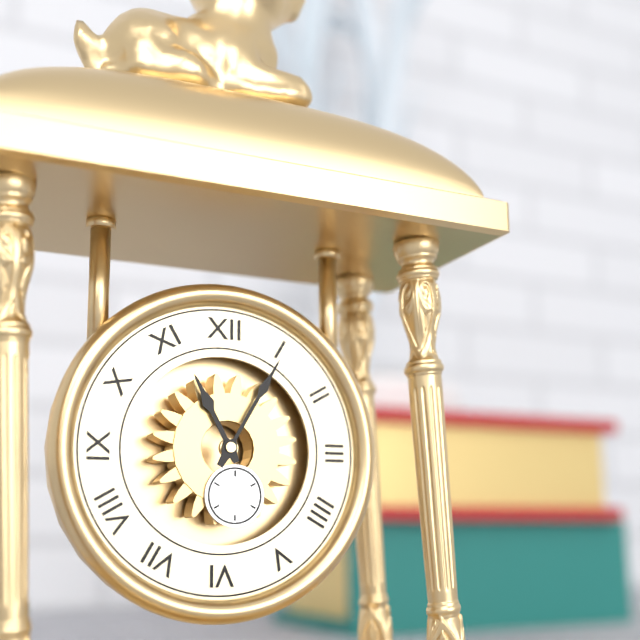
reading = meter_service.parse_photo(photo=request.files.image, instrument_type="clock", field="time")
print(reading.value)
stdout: 11:05
